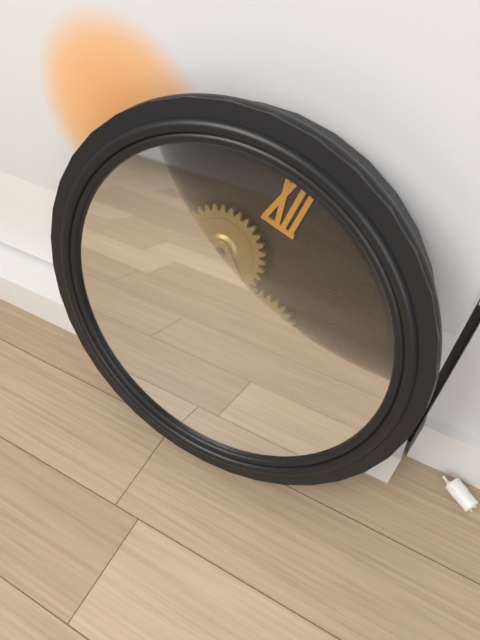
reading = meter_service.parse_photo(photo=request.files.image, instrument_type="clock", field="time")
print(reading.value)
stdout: 5:21
